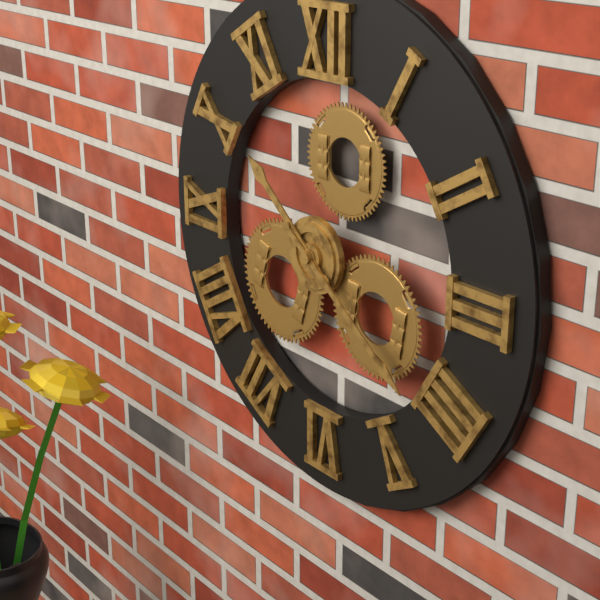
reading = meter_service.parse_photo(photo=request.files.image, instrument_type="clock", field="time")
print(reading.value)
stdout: 10:21
